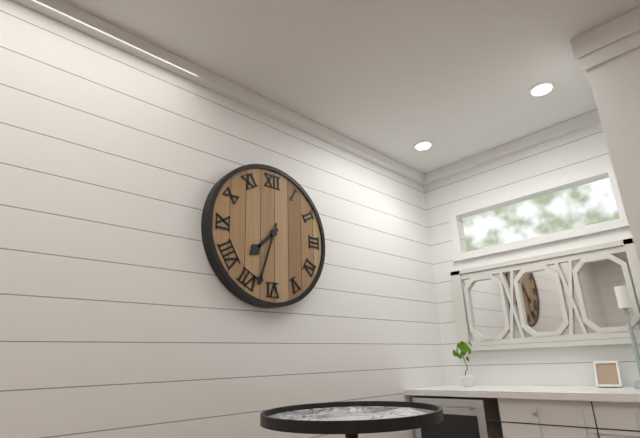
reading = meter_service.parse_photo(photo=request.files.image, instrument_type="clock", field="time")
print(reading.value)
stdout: 7:33
